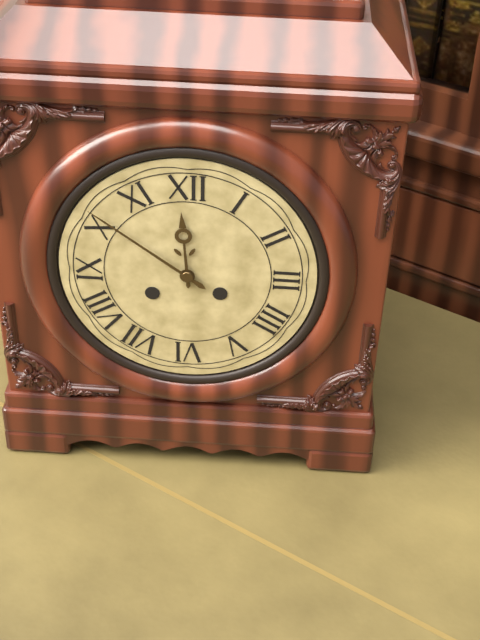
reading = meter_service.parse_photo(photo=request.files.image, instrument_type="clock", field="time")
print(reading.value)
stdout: 11:51
